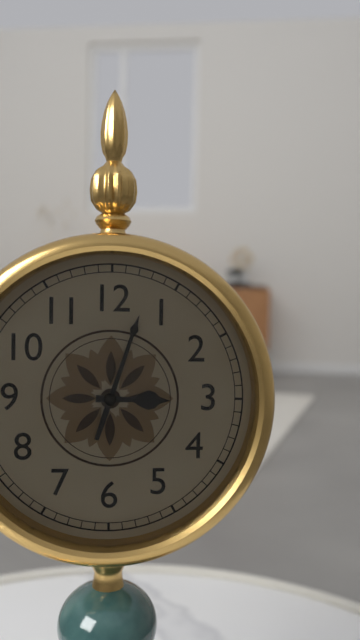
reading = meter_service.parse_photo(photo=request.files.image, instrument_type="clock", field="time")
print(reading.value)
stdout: 3:03
